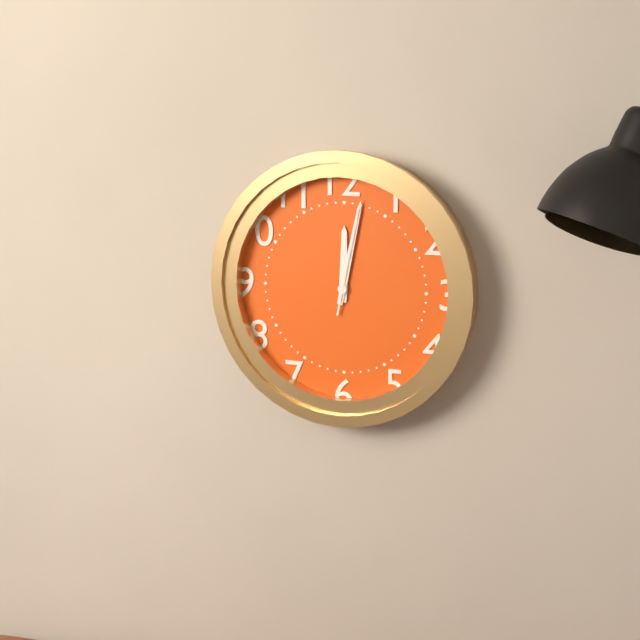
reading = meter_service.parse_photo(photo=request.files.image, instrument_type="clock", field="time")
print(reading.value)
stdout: 12:02:02
